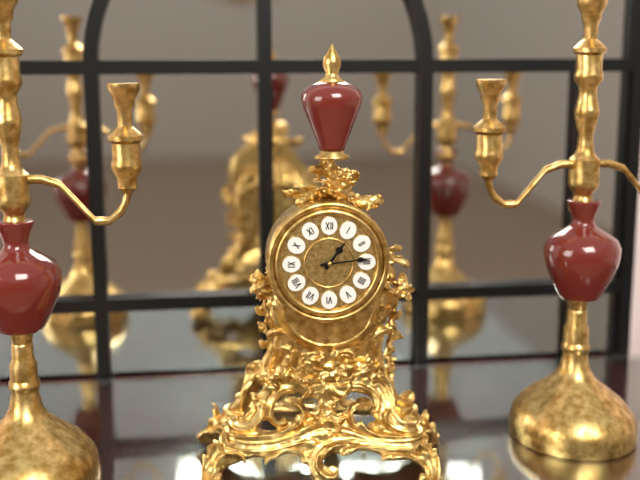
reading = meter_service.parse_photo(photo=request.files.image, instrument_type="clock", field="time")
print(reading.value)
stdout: 1:14
